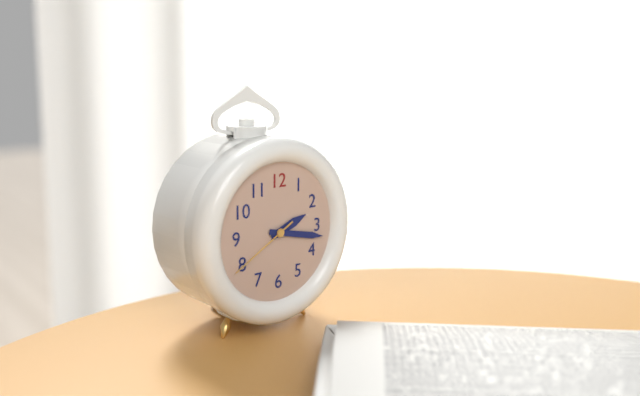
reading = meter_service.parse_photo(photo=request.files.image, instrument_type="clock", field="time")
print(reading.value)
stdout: 2:17:40
